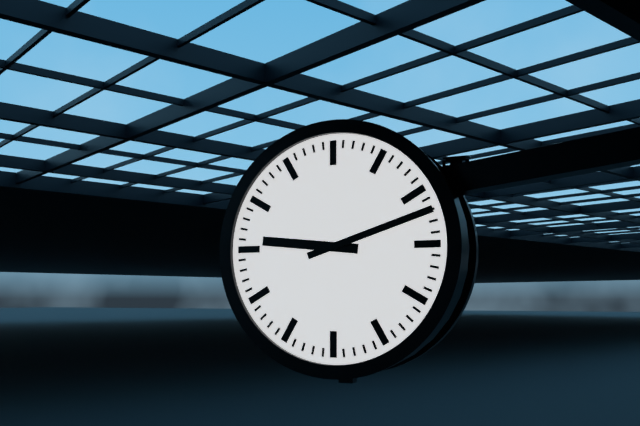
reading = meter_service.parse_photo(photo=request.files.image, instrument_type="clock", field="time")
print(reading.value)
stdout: 9:12
